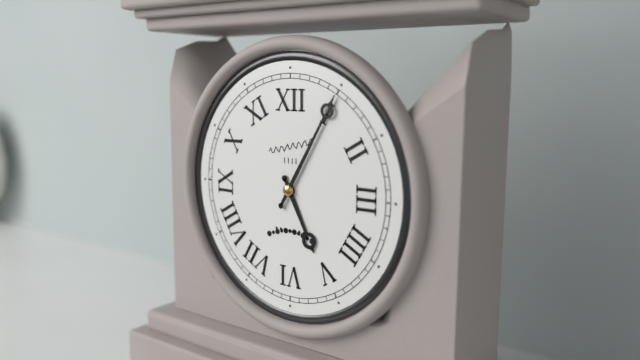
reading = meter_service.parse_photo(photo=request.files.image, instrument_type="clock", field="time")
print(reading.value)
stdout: 5:05
